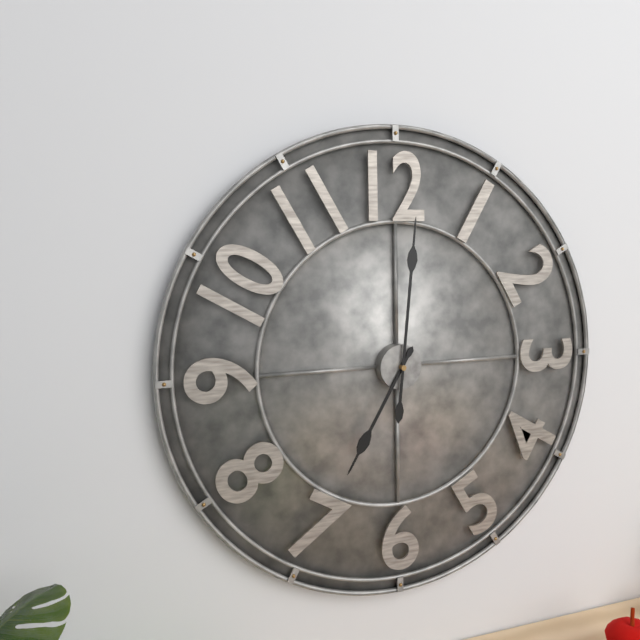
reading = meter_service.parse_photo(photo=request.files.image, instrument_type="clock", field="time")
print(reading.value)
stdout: 7:01
